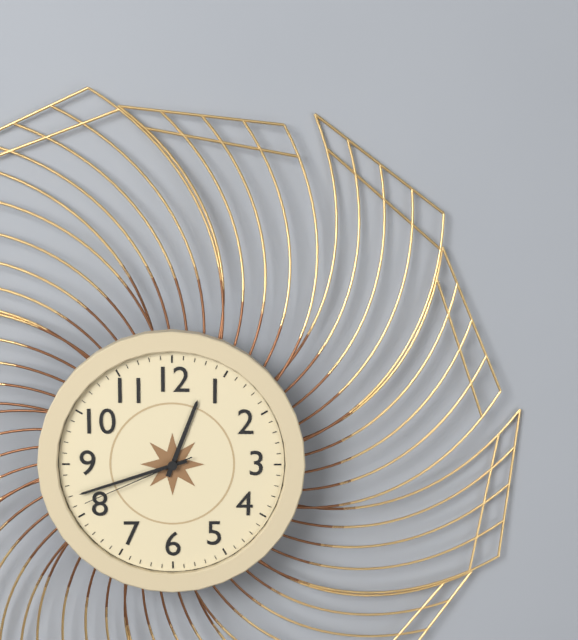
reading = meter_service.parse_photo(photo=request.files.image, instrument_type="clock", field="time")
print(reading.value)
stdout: 12:42:41
